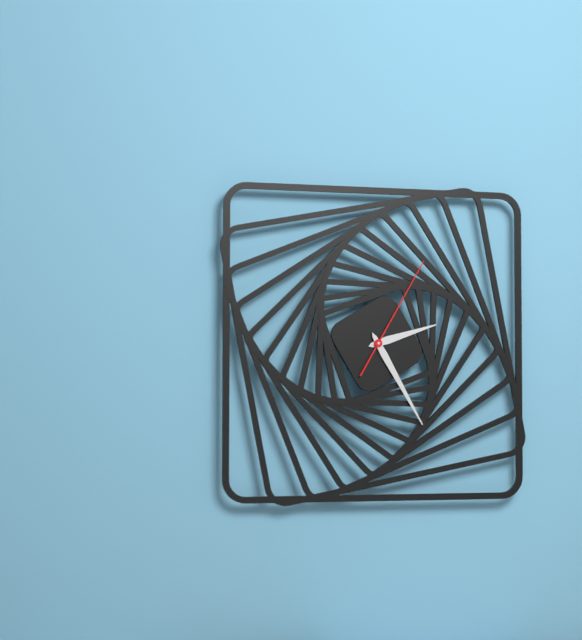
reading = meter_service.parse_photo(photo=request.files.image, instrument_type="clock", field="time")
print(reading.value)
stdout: 2:25:05
